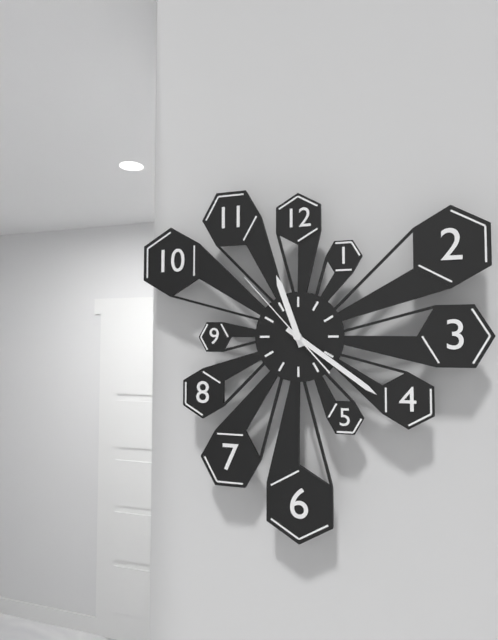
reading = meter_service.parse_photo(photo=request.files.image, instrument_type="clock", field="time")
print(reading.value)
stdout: 11:21:53
